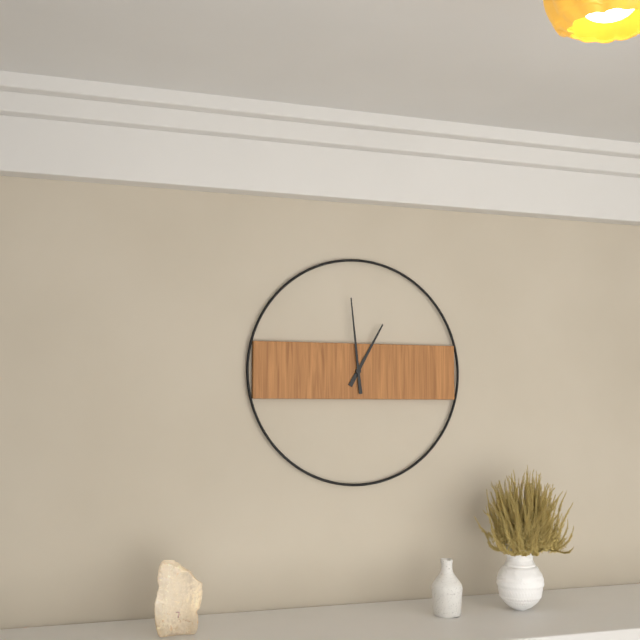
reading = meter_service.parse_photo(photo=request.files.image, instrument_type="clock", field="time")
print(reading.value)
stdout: 12:59
